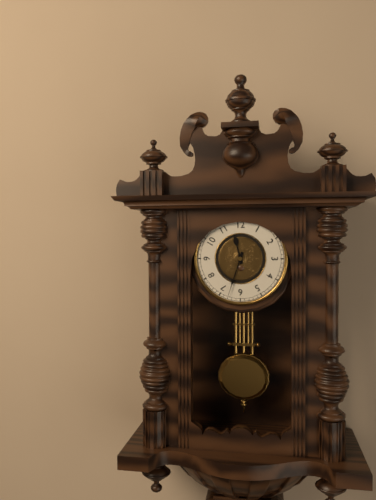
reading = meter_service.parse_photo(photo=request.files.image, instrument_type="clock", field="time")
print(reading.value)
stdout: 11:33
